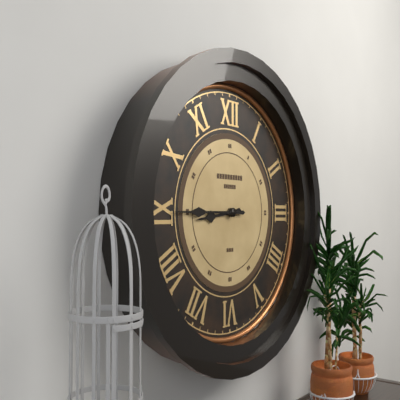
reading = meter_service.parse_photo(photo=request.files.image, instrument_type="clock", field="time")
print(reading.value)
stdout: 8:45
